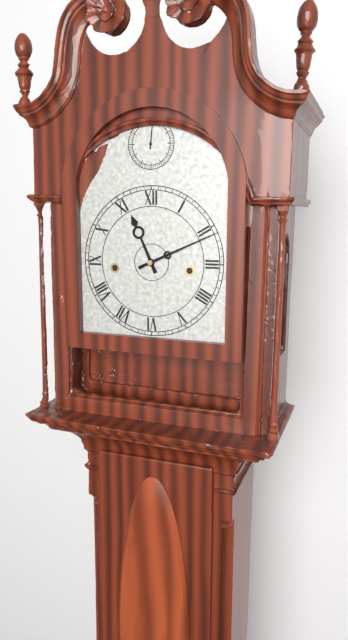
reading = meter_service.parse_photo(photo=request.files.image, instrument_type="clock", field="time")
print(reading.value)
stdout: 11:11
